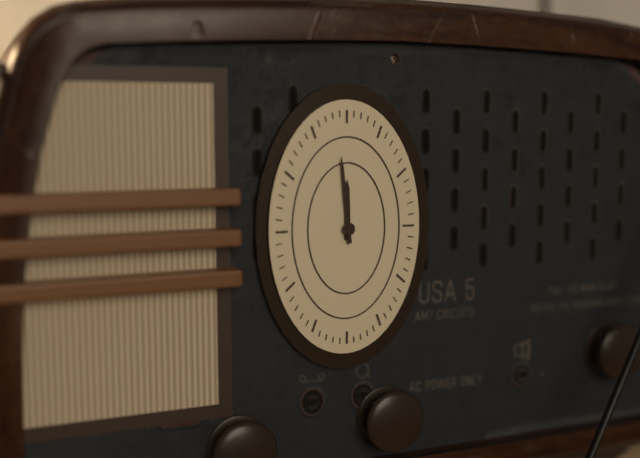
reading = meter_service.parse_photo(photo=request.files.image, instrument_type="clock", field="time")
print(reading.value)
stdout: 11:59
